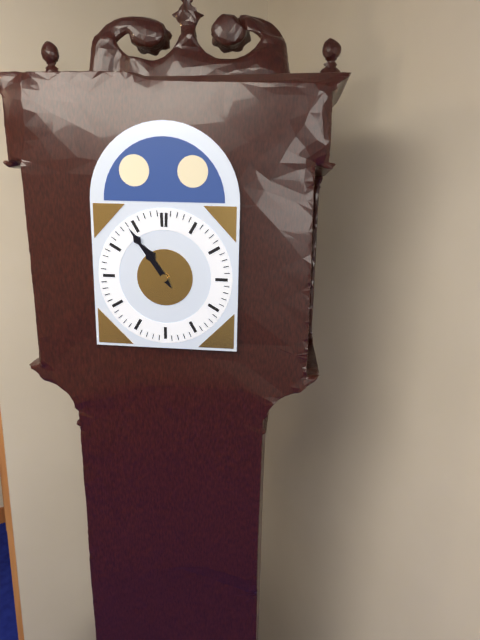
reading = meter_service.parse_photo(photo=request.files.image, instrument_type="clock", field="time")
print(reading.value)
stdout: 10:54
